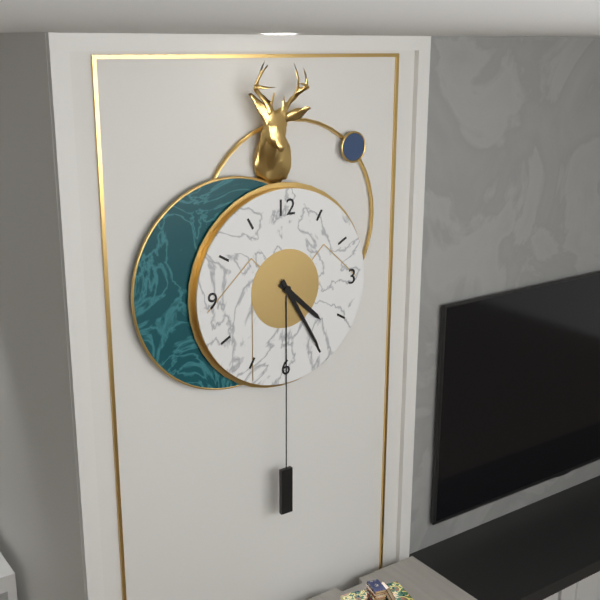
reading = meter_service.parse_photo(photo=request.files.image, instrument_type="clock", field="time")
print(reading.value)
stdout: 4:25
